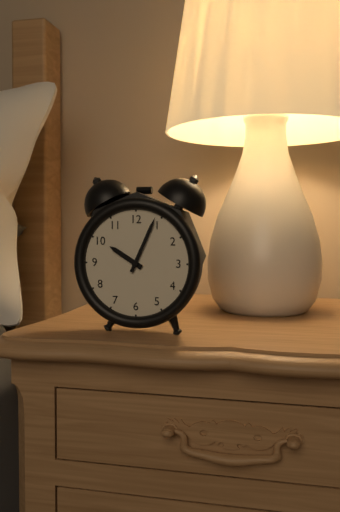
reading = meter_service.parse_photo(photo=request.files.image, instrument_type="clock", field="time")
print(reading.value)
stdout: 10:04
